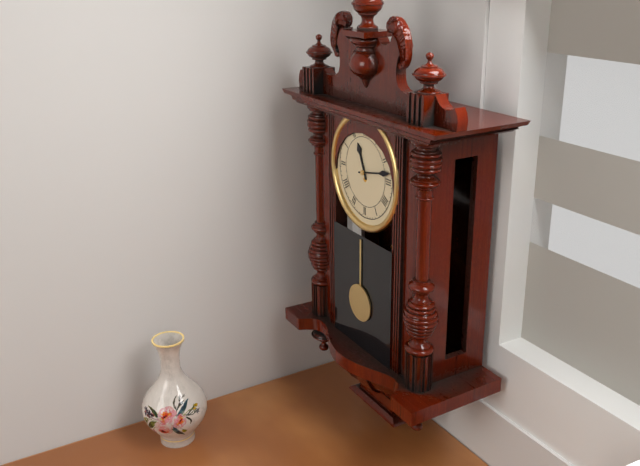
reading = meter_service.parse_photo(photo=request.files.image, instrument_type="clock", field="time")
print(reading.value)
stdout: 11:13
